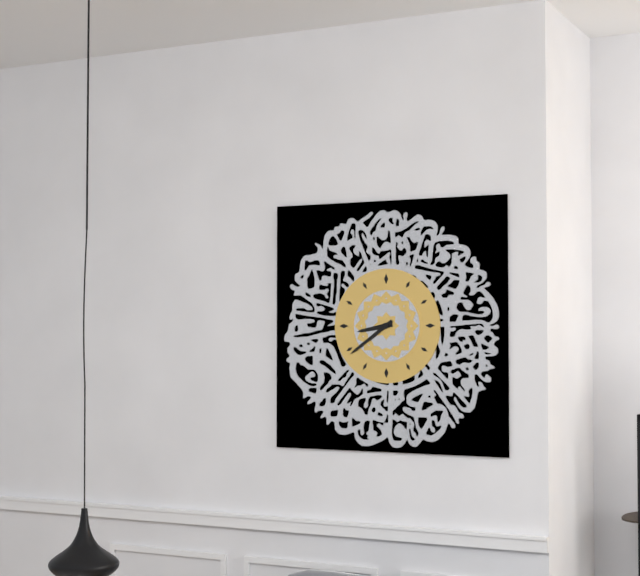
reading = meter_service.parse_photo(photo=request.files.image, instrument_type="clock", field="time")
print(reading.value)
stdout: 8:39
